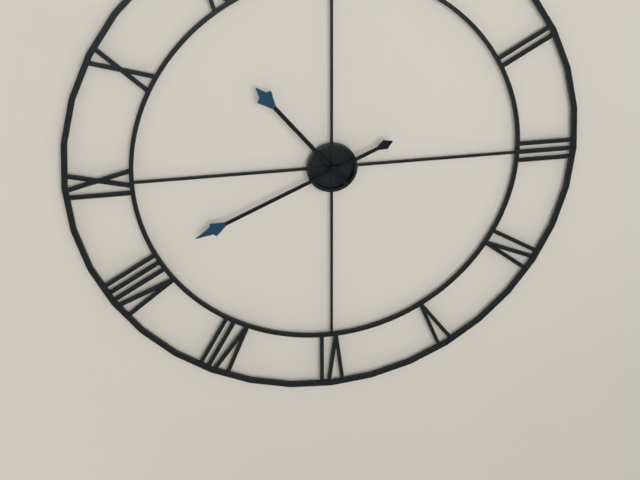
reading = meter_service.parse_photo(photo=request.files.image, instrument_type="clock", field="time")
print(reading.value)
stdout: 10:41
